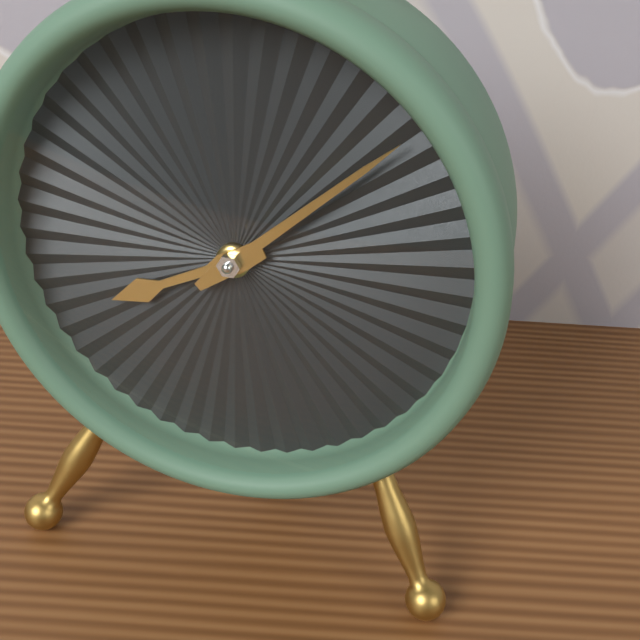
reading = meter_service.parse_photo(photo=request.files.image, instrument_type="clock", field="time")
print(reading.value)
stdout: 8:08
